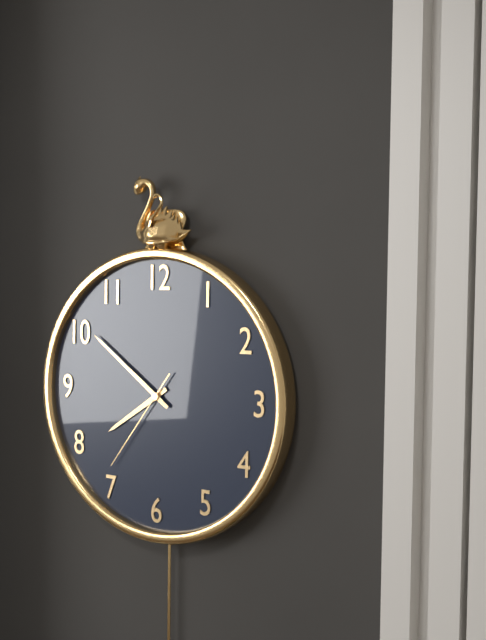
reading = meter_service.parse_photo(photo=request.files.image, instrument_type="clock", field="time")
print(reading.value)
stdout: 7:51:36
